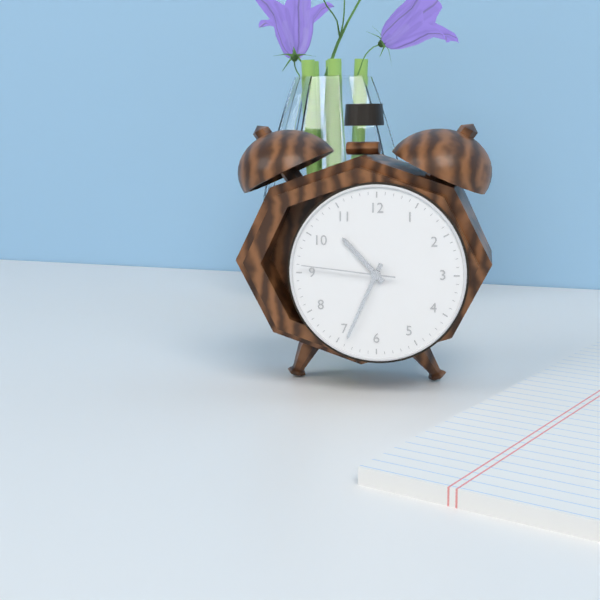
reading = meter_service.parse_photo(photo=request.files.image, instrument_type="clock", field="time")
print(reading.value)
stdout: 10:34:46
